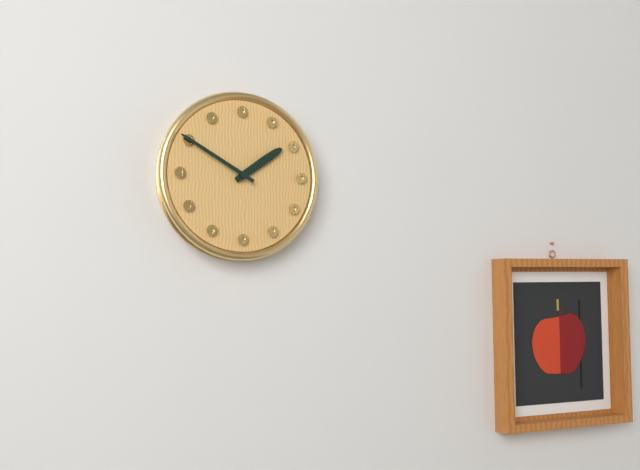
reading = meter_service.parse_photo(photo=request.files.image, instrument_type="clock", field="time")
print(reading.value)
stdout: 1:50
